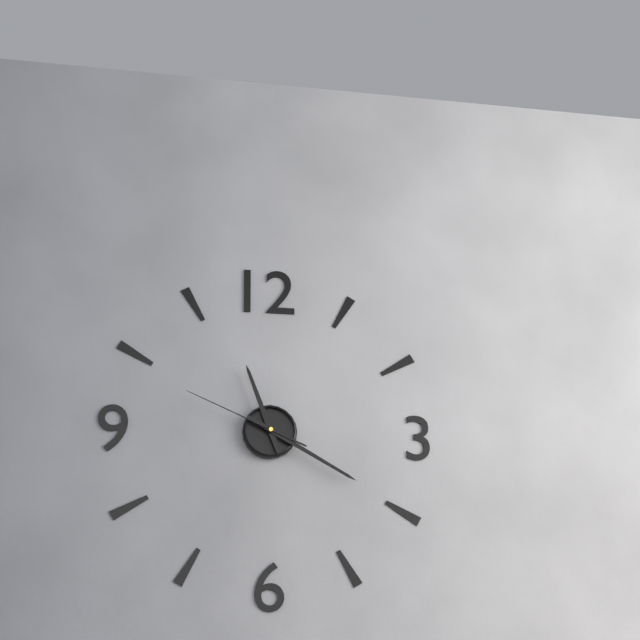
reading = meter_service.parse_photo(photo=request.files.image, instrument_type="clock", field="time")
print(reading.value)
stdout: 11:20:49
